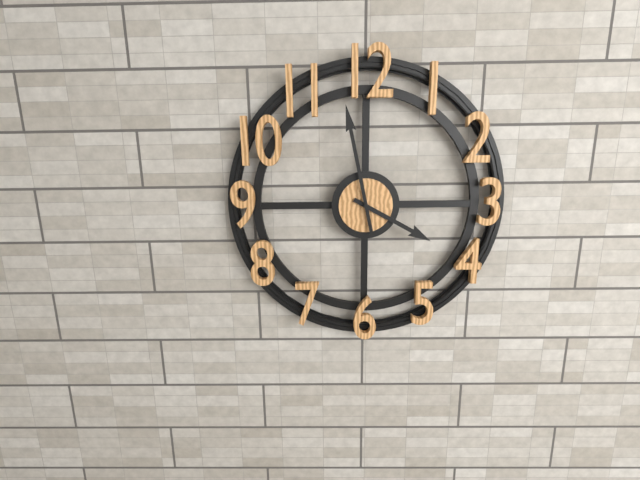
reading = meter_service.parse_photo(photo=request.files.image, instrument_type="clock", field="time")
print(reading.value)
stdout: 3:58
